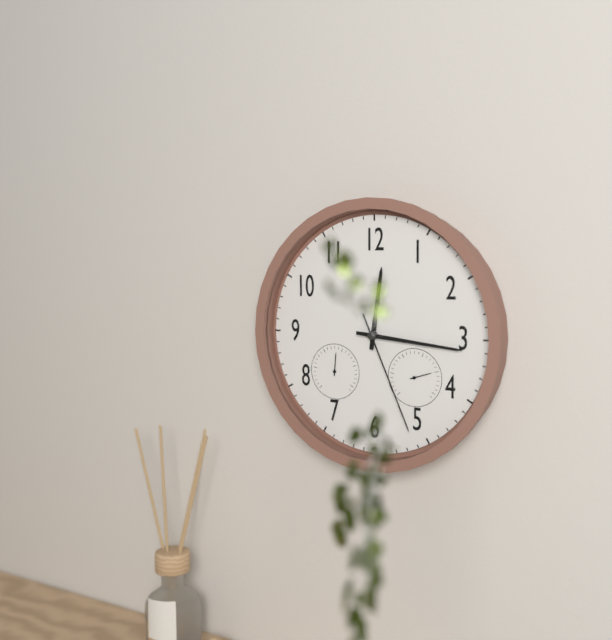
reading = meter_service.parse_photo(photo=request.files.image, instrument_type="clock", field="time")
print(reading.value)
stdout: 12:16:26
